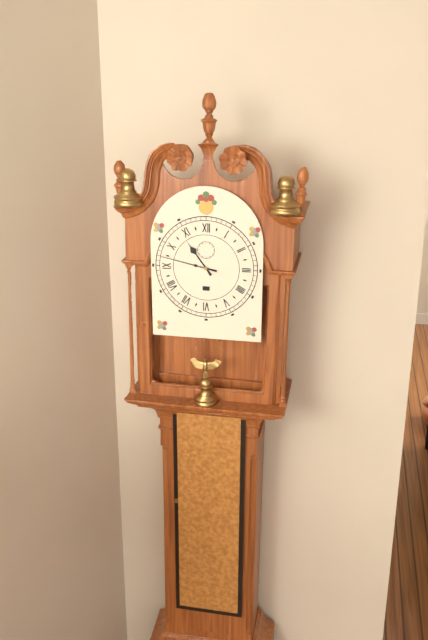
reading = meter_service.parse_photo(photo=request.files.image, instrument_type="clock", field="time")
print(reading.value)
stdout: 10:47
